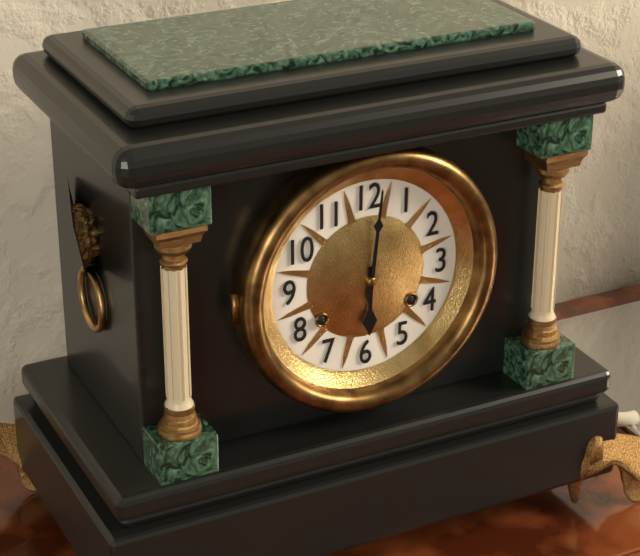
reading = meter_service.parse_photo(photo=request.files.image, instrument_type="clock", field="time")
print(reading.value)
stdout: 6:01
